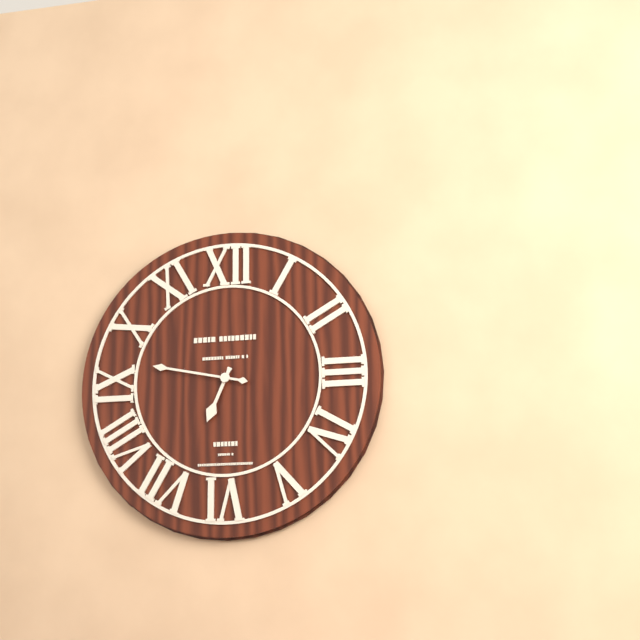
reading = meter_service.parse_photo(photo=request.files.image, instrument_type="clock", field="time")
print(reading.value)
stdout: 6:47
